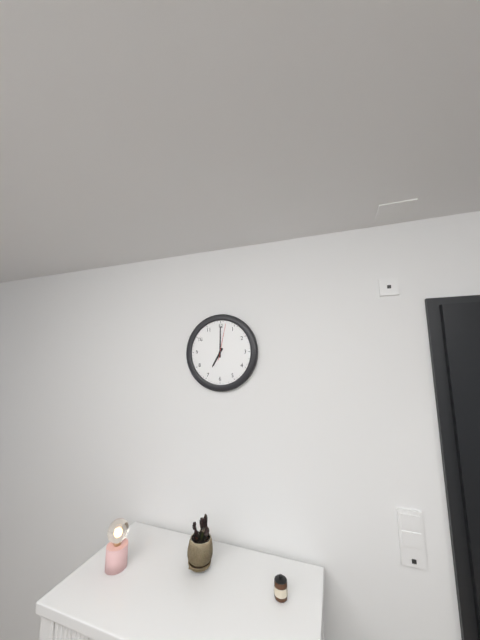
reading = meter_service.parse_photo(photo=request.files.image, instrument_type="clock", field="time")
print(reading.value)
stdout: 7:00
